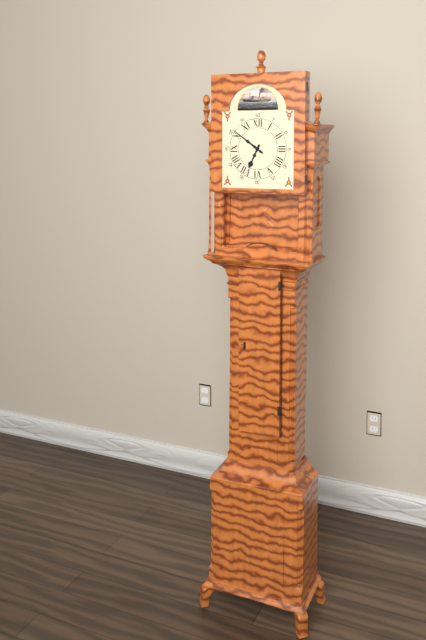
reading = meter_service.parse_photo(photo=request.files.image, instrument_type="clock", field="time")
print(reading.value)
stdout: 6:51
